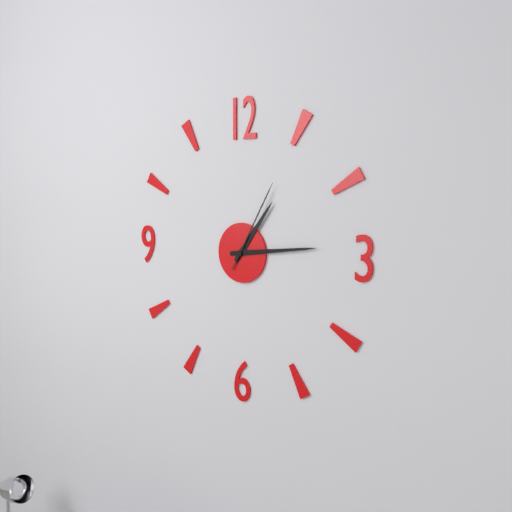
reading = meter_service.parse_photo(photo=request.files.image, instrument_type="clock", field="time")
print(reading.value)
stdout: 1:14:05
